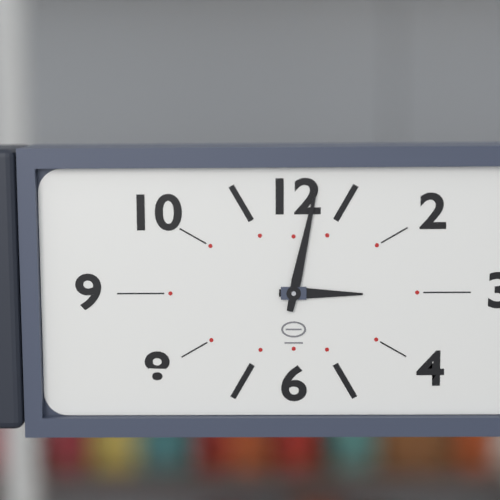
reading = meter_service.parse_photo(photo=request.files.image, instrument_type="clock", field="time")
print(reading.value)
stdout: 3:02
